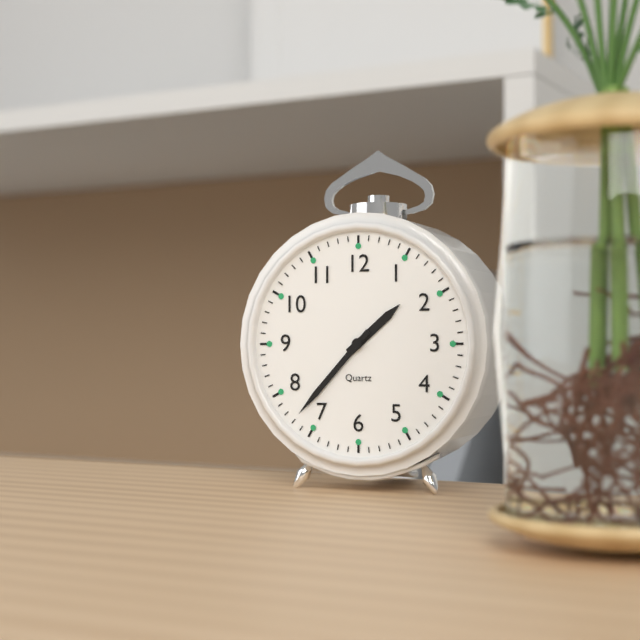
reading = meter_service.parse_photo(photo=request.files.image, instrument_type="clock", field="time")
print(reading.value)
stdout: 1:37
